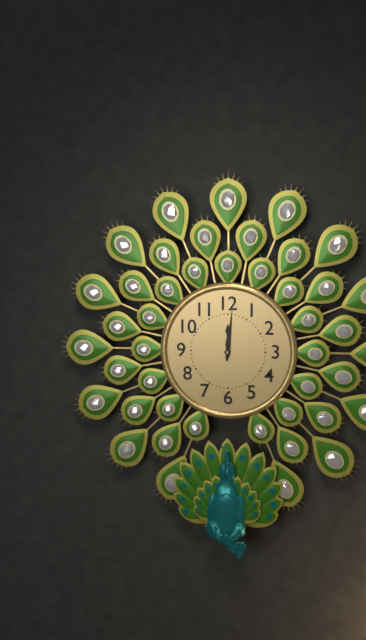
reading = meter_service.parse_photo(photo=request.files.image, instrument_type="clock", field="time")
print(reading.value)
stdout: 12:01
